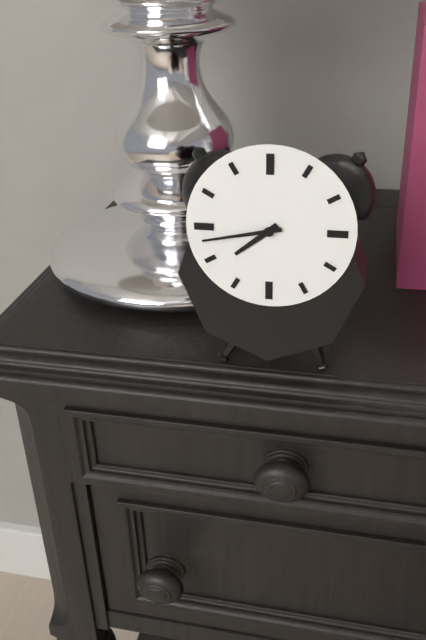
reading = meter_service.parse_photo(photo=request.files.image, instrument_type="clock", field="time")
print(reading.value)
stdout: 7:43
